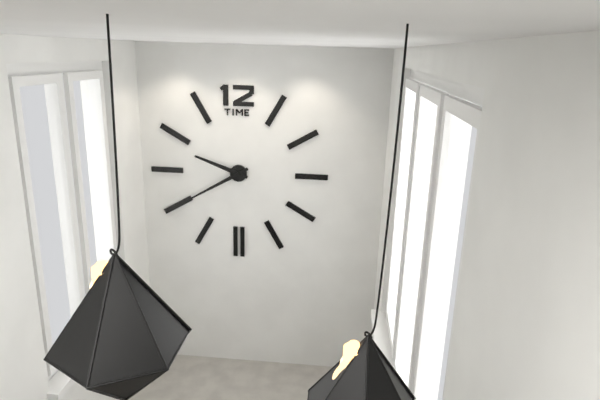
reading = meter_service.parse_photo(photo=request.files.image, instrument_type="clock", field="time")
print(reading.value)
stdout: 9:40
